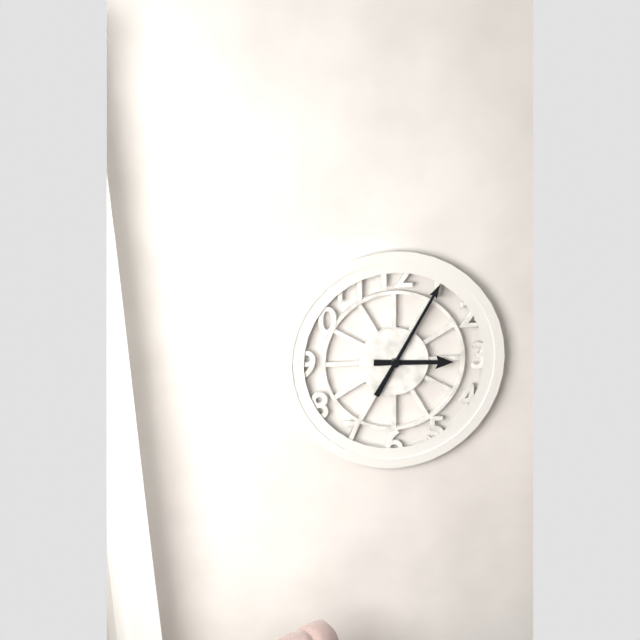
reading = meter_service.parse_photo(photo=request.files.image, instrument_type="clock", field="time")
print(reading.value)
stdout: 3:05
